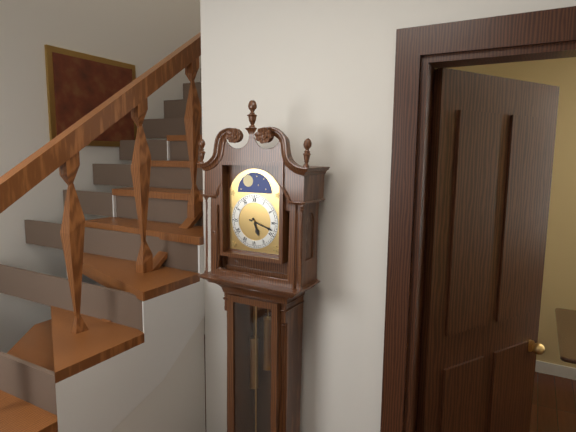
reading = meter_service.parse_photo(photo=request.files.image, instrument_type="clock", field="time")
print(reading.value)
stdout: 5:18
